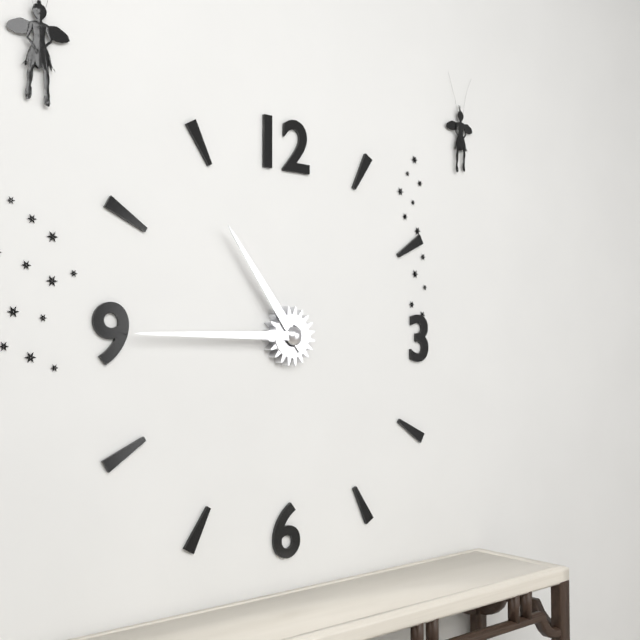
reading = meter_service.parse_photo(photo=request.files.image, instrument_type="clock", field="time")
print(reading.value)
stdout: 10:45
